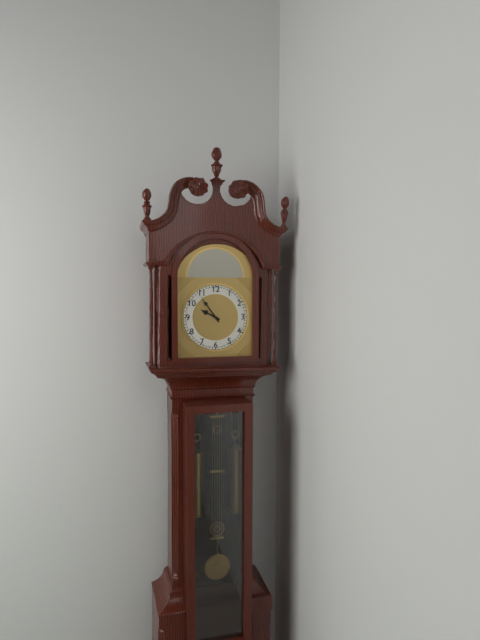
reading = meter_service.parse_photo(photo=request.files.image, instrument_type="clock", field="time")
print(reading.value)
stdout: 9:54
